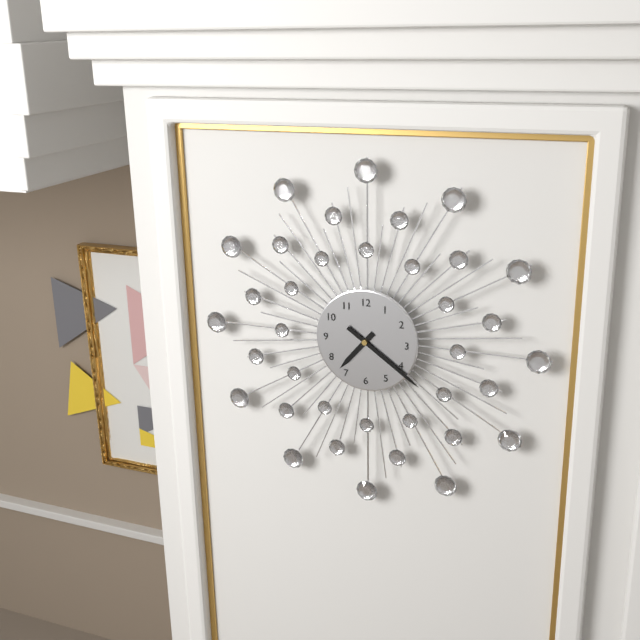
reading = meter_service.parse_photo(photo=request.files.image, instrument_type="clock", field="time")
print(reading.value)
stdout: 7:21
